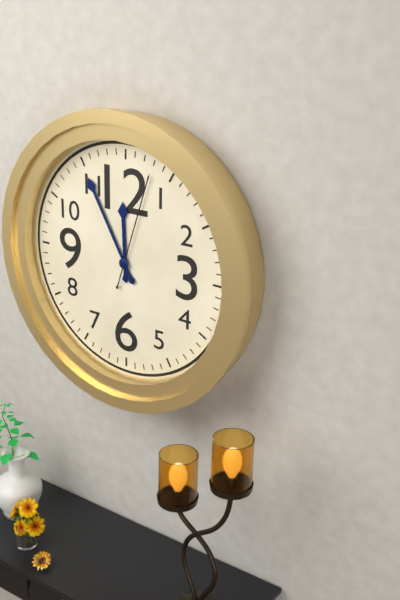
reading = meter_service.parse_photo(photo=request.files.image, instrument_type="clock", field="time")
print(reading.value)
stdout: 11:55:03
